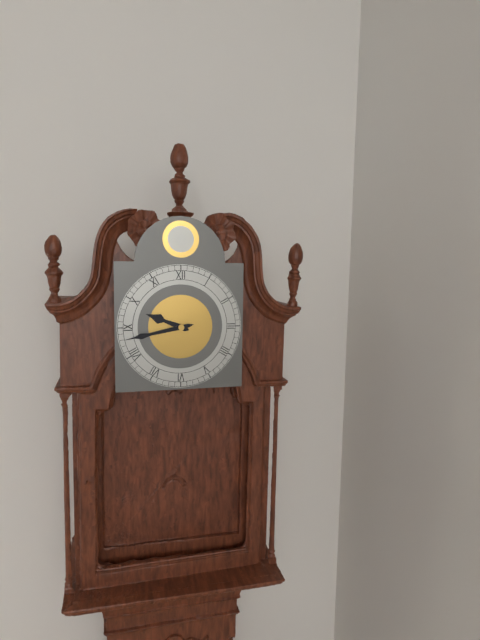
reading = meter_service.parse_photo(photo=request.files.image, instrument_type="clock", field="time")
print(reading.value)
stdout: 9:43
